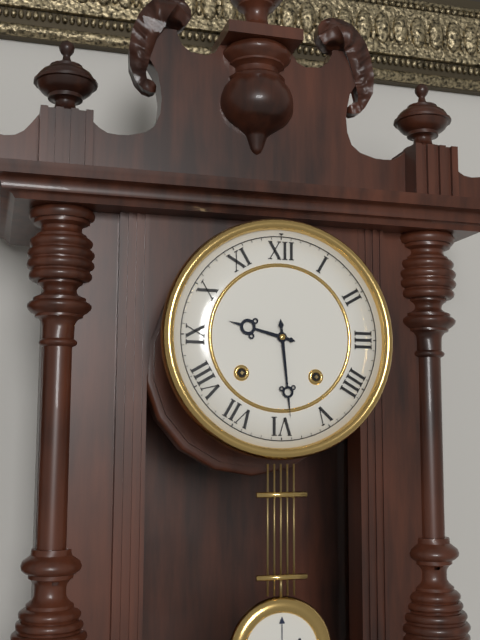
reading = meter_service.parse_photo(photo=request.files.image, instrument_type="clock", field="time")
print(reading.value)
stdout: 9:29
